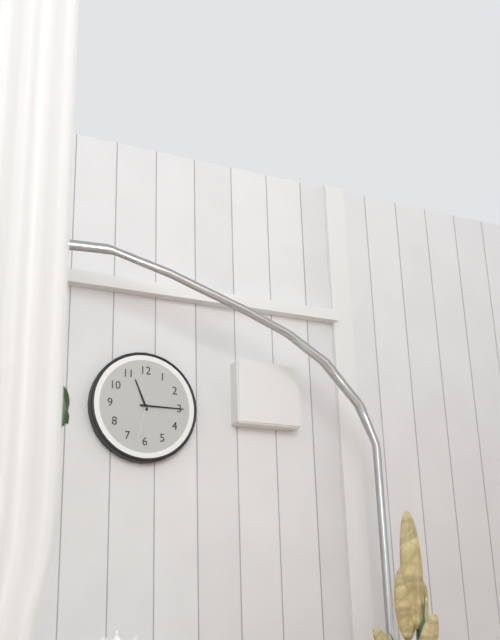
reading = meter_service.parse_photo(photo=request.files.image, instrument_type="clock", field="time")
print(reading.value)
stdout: 11:15
